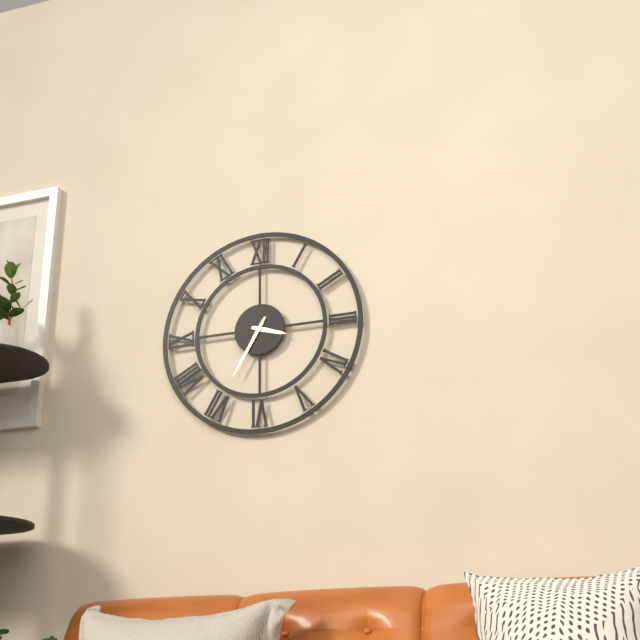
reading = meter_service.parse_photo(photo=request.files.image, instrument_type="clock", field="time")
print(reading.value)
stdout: 3:35
